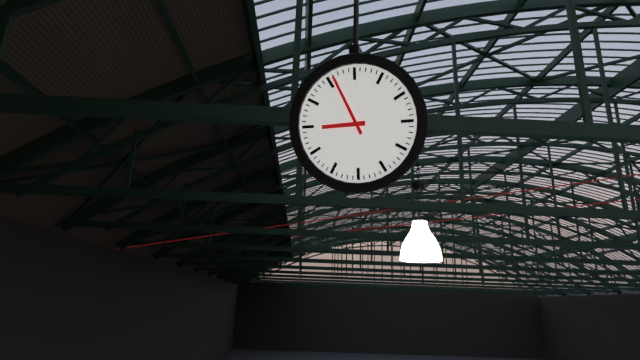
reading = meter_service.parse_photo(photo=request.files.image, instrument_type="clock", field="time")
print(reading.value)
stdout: 8:56
